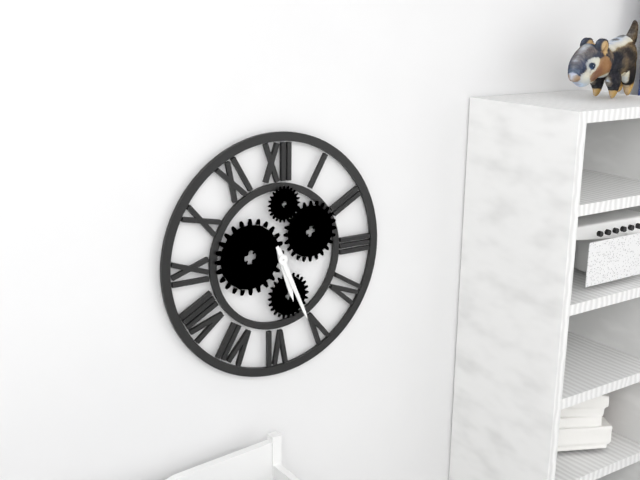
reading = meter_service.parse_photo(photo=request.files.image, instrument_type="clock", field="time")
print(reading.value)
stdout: 5:26
